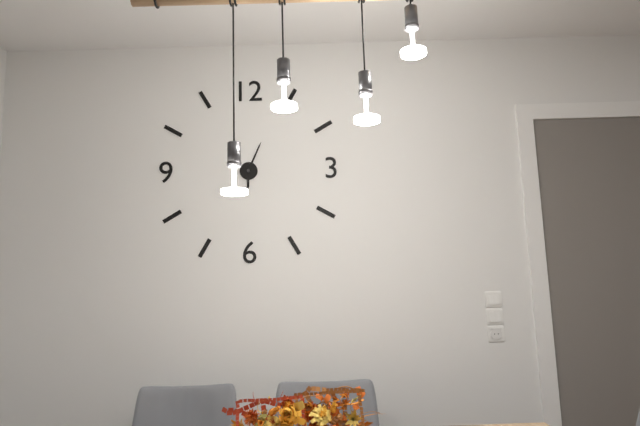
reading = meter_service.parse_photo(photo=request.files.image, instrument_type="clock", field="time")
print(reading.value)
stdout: 6:04
